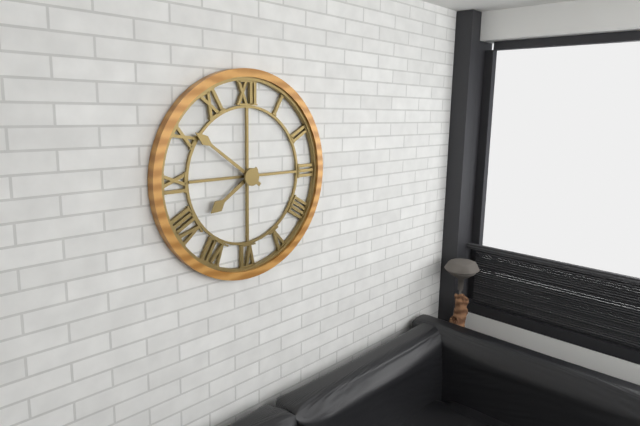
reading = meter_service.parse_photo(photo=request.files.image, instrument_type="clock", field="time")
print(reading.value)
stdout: 7:51
